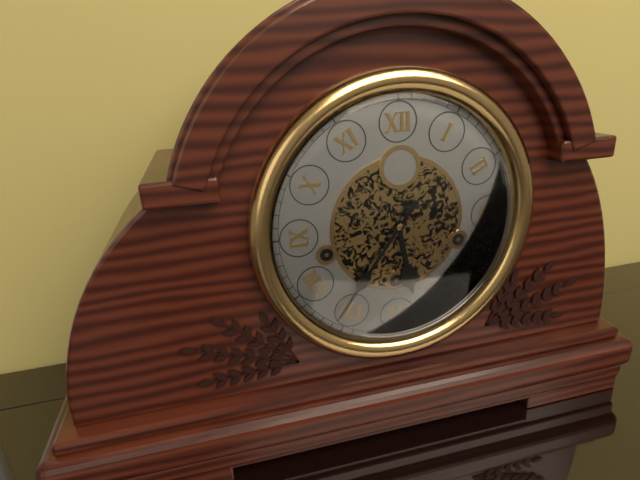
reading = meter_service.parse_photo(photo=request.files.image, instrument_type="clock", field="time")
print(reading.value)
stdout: 5:36
